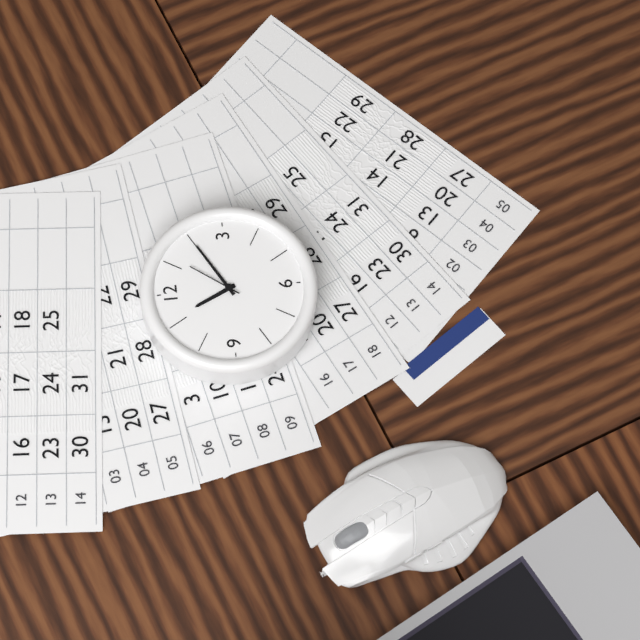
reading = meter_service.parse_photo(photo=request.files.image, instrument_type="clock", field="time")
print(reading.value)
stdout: 11:10:06
